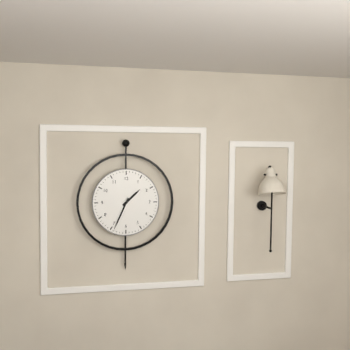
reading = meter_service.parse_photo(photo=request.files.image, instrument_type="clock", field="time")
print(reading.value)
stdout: 1:34
